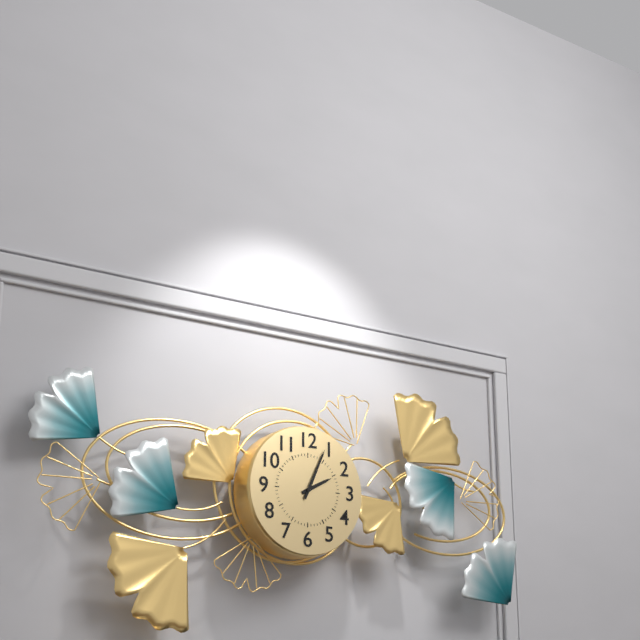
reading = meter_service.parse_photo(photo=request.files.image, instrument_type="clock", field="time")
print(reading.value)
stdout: 2:04
